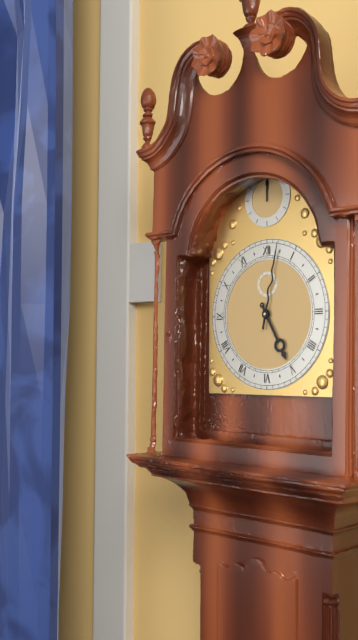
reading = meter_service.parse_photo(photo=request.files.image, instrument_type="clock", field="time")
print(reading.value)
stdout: 5:02
